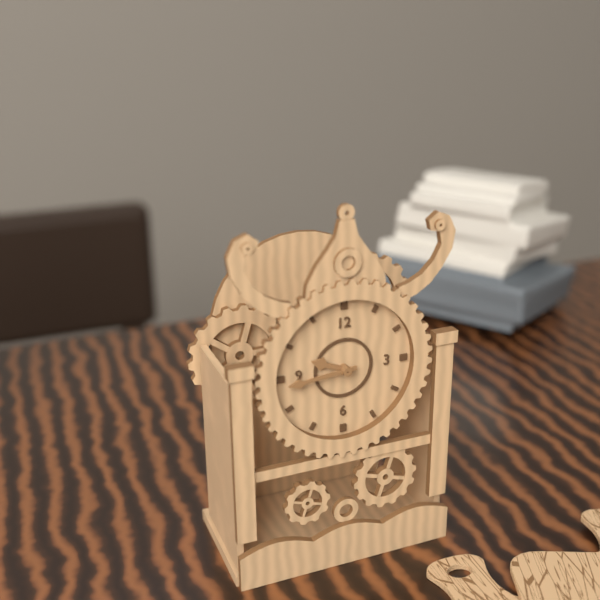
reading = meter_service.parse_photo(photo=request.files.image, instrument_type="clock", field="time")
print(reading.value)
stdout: 9:44
